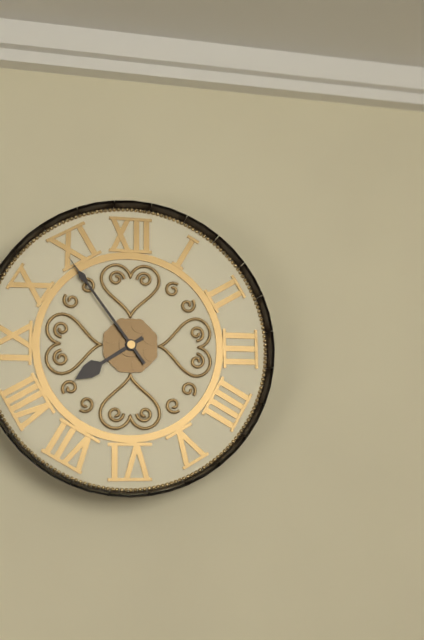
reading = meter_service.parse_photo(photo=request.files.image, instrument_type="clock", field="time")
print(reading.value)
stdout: 7:54
